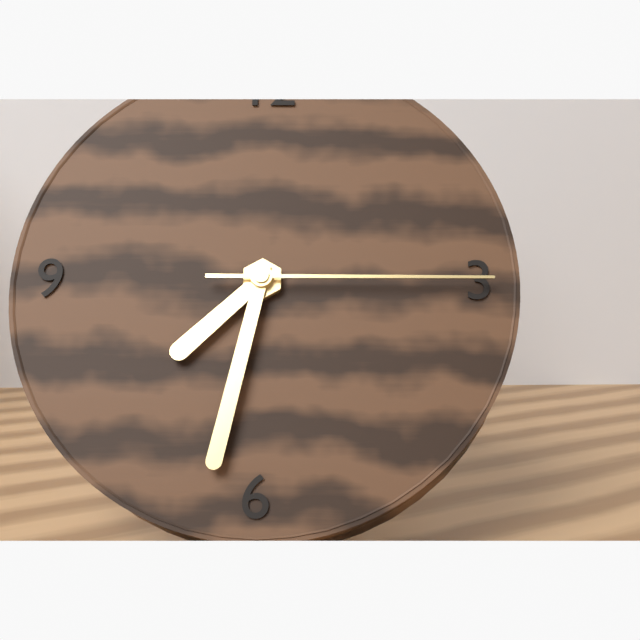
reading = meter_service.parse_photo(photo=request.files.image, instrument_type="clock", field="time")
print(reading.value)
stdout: 7:32:15
